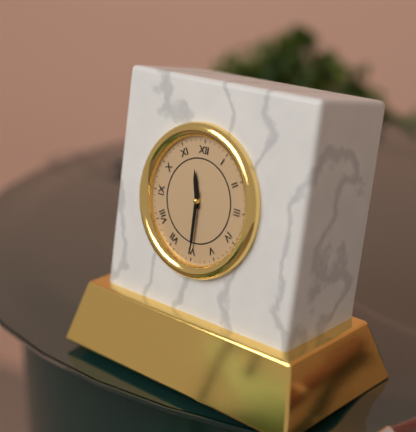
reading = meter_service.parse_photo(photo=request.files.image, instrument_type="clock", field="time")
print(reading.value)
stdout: 11:30
